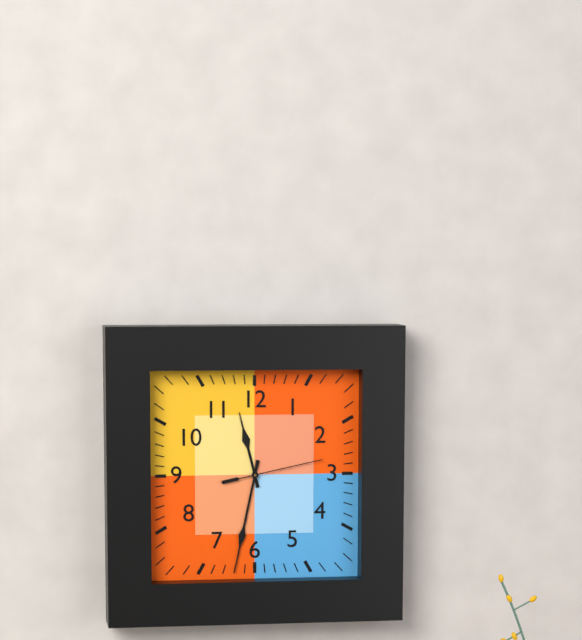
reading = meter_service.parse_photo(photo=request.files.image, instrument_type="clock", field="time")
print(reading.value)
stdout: 11:32:13
